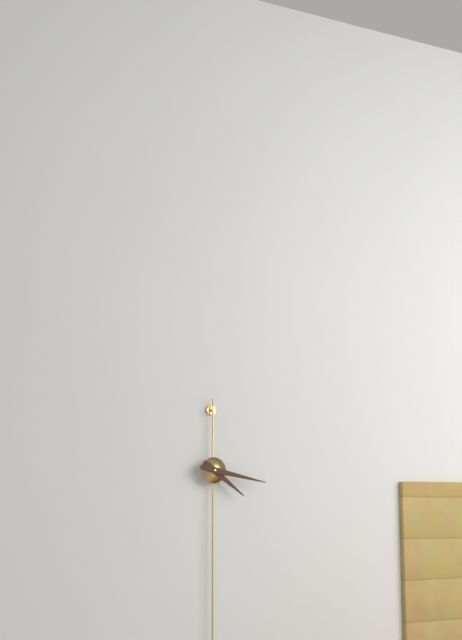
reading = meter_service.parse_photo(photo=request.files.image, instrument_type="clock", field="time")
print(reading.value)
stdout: 4:17
